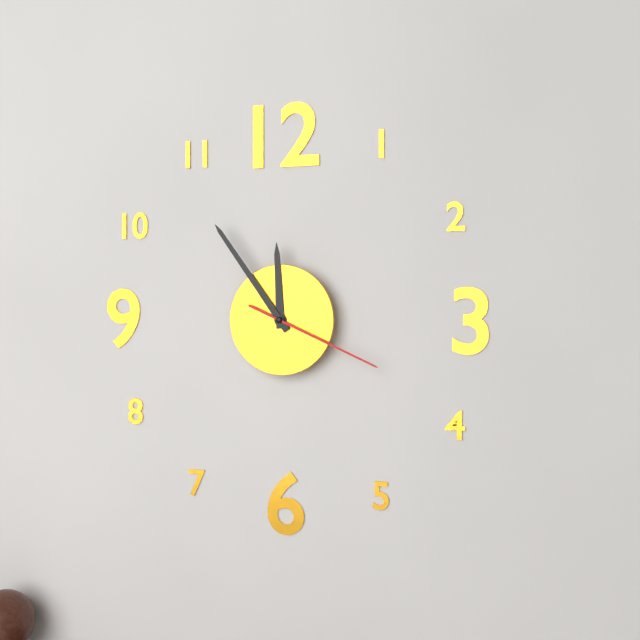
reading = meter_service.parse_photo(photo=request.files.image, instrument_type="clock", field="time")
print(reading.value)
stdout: 11:54:19
